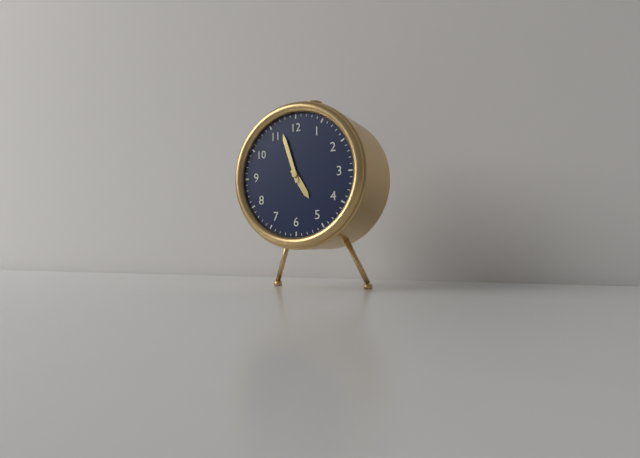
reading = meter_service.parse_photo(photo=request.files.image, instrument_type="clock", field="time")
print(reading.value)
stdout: 4:57
